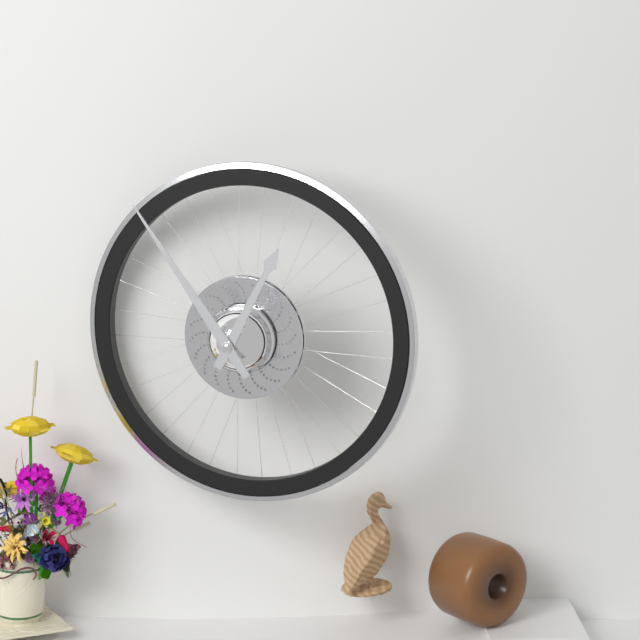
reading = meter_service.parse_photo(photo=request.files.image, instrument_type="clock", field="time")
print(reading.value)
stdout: 12:54
